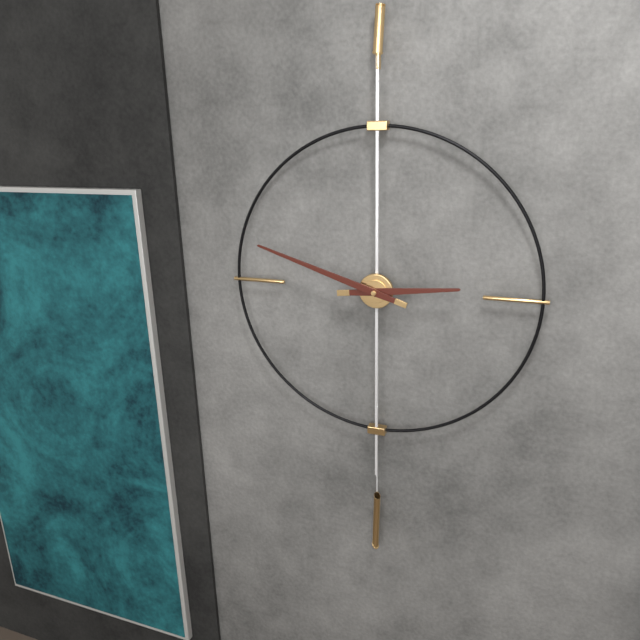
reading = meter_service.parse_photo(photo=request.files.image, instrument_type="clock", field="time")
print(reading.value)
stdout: 2:48
